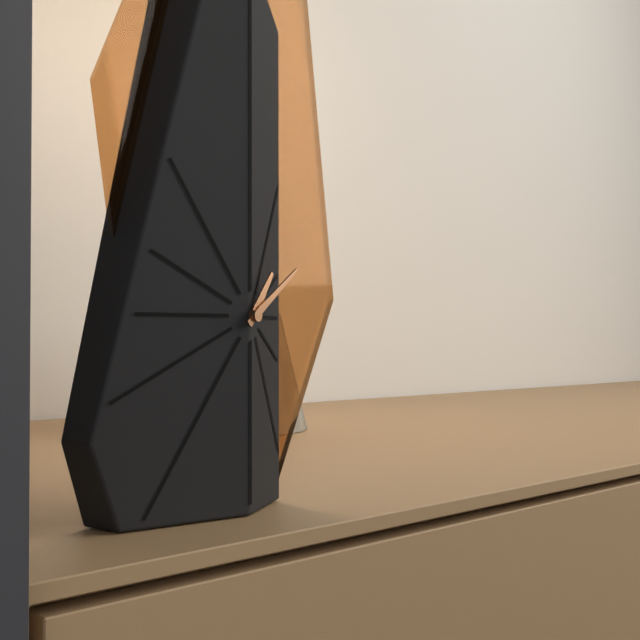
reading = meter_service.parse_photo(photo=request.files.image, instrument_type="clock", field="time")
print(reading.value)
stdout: 1:09
